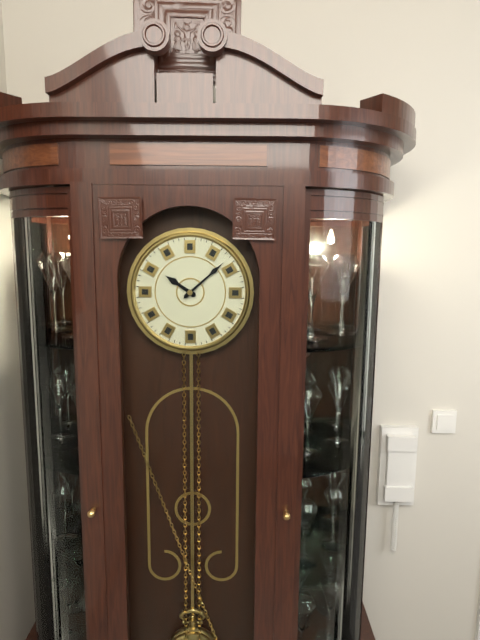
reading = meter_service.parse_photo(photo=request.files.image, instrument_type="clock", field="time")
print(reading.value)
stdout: 10:08
